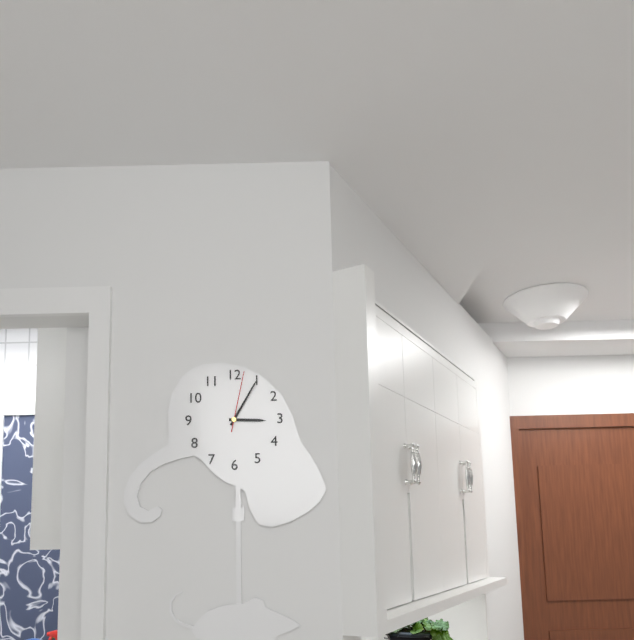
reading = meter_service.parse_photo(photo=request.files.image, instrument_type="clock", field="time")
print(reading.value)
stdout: 3:05:02
